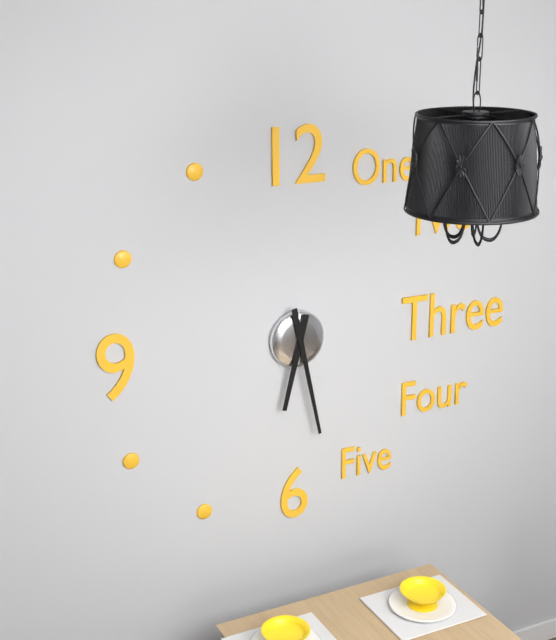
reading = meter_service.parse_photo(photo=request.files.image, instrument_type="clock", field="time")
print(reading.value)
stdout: 6:28
